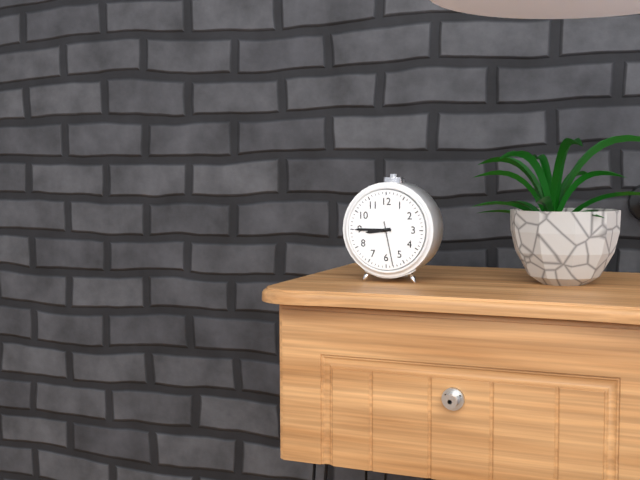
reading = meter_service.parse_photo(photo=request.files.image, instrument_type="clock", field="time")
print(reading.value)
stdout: 8:45
